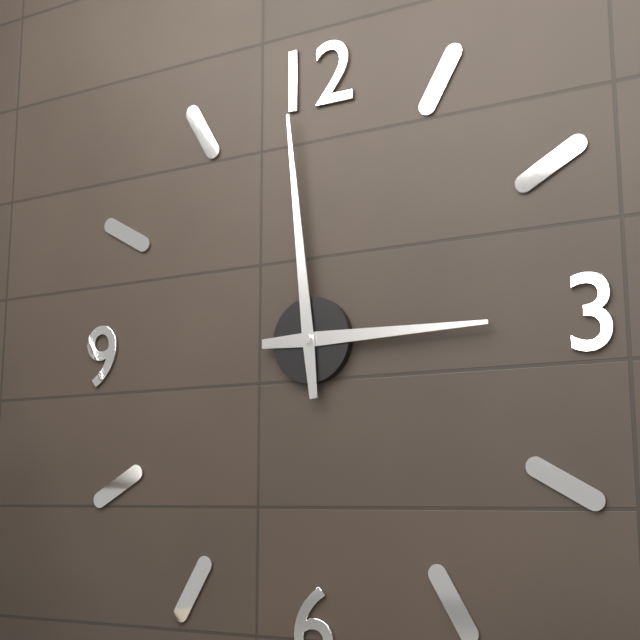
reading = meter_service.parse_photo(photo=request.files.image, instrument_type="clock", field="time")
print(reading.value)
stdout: 2:59
